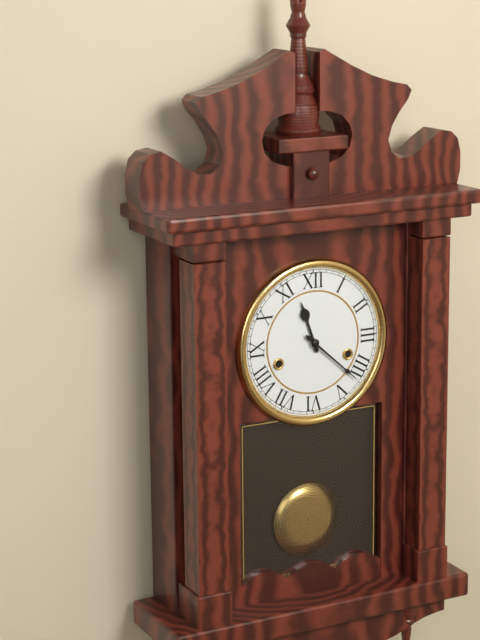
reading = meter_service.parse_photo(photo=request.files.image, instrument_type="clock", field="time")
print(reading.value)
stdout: 11:22
